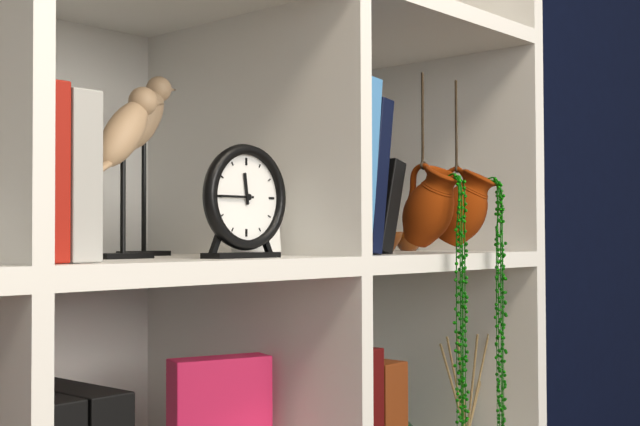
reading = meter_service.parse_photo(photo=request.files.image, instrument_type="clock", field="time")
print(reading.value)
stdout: 11:45
